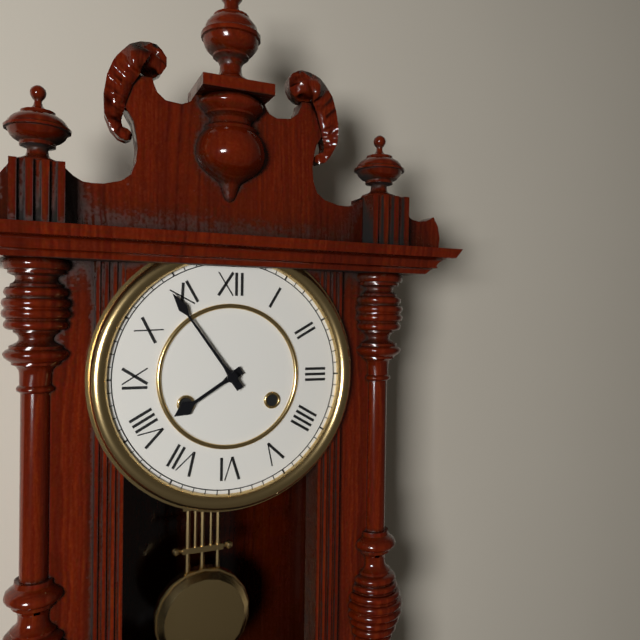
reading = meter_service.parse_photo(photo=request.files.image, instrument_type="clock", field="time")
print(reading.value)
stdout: 7:54
